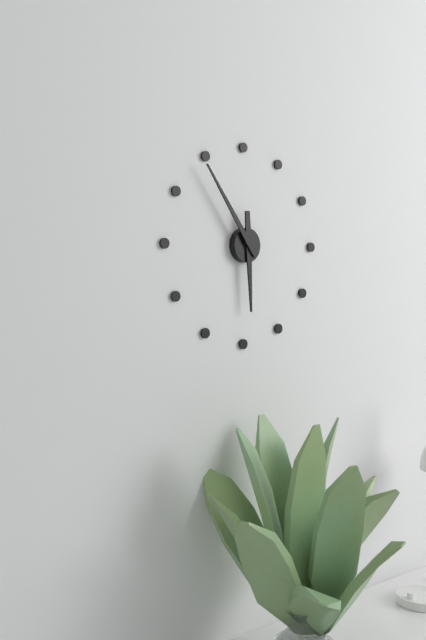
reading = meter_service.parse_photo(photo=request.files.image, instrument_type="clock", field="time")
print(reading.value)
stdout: 5:54
